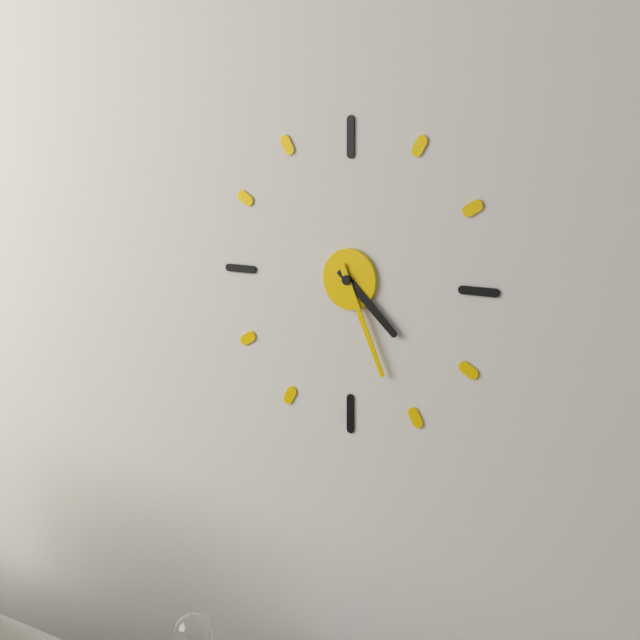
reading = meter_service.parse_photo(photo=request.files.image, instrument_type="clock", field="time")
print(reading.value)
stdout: 4:26
